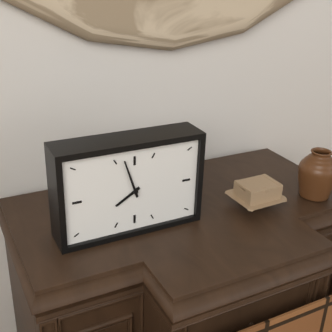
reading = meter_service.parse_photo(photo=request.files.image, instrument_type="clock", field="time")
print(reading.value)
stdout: 7:57
